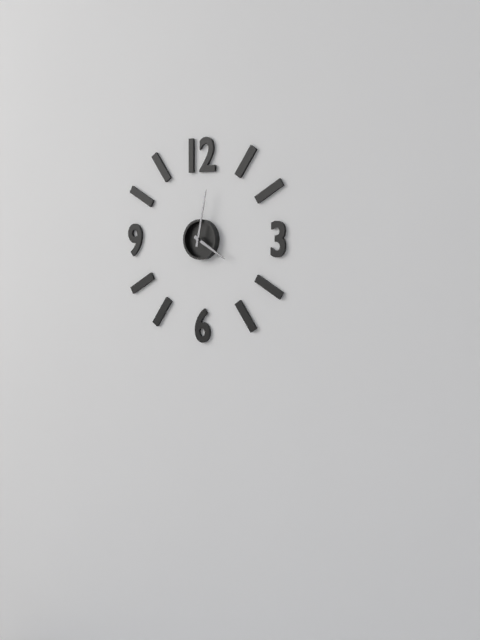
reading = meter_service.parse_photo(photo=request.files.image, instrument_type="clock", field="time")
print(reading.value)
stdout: 4:02
